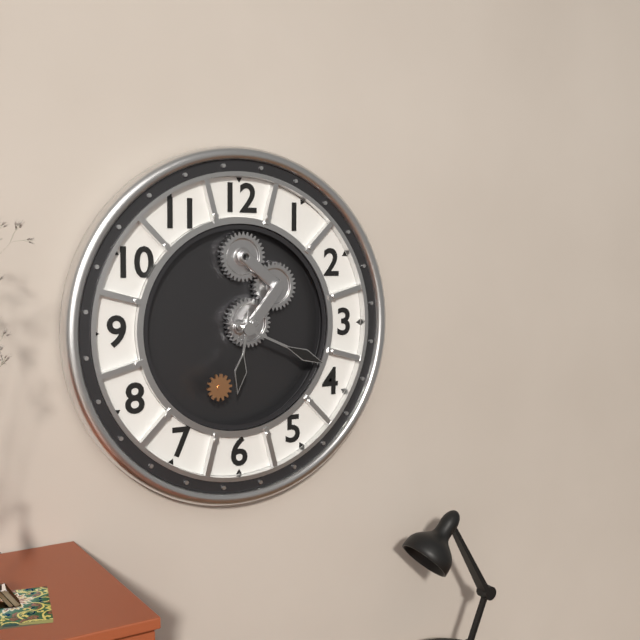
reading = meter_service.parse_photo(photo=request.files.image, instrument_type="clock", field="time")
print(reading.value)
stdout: 6:19
